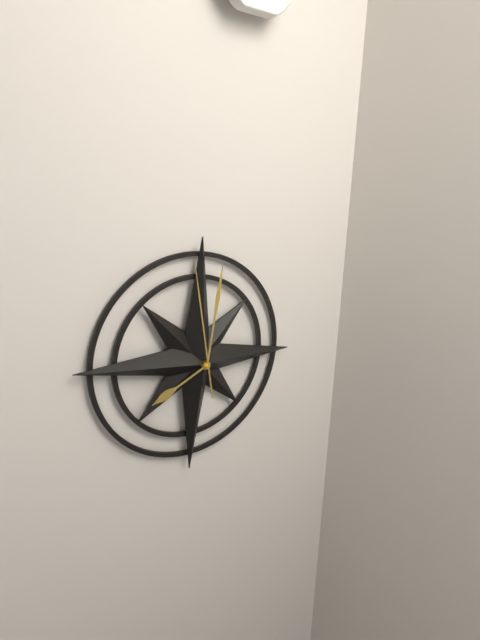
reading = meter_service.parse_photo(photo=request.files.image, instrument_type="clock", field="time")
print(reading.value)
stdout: 8:01:58
